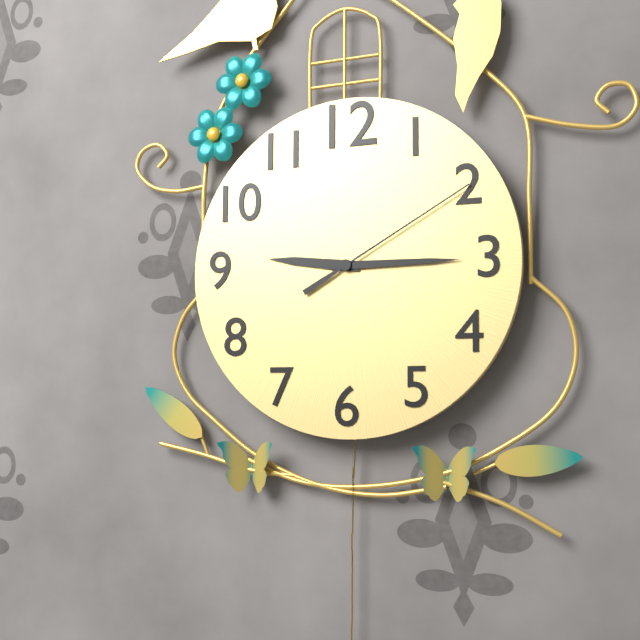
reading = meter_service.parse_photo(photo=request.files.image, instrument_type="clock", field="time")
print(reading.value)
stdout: 9:15:10
